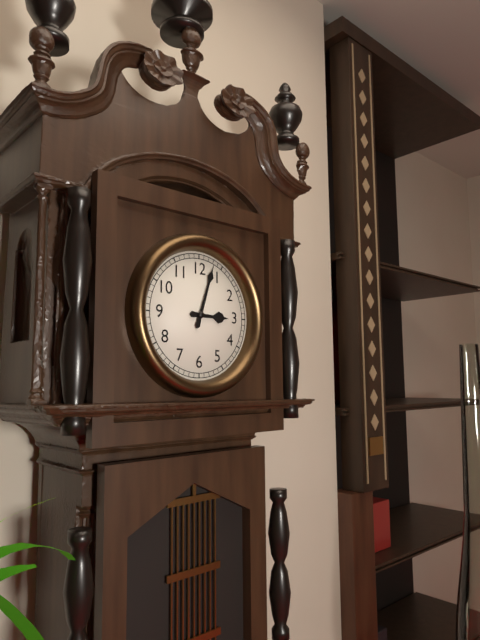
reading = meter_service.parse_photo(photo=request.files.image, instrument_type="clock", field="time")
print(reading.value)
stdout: 3:03
